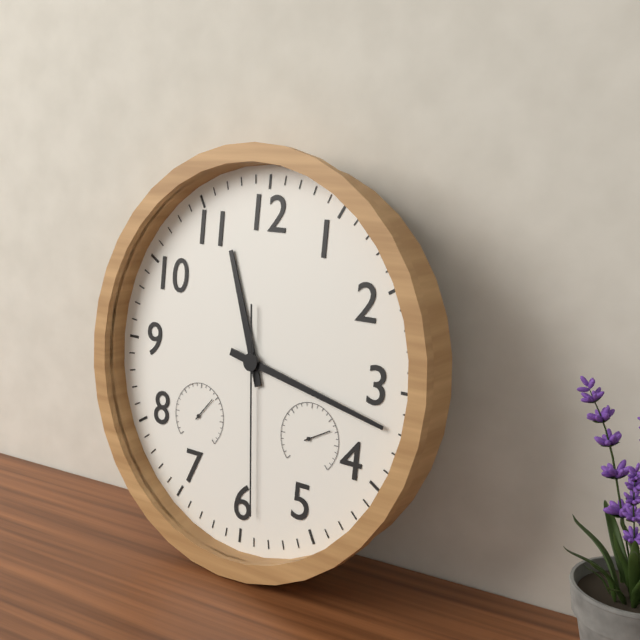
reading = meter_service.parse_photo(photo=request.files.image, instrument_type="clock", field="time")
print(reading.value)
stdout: 11:17:29
